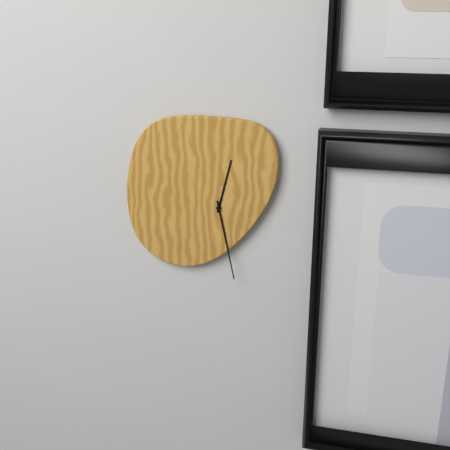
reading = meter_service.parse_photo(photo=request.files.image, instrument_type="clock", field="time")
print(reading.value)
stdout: 12:28
